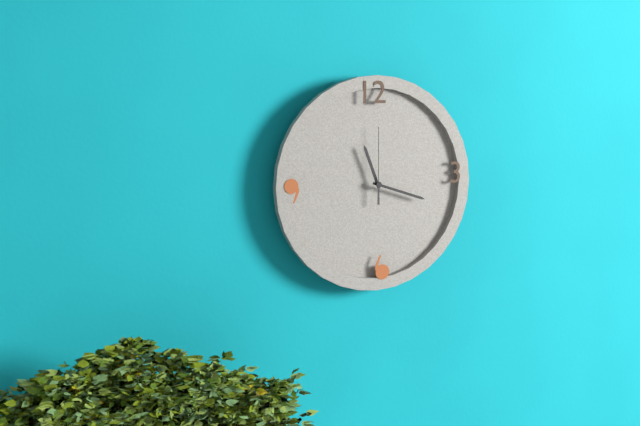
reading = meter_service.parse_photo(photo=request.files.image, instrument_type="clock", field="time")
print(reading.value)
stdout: 11:18:00
